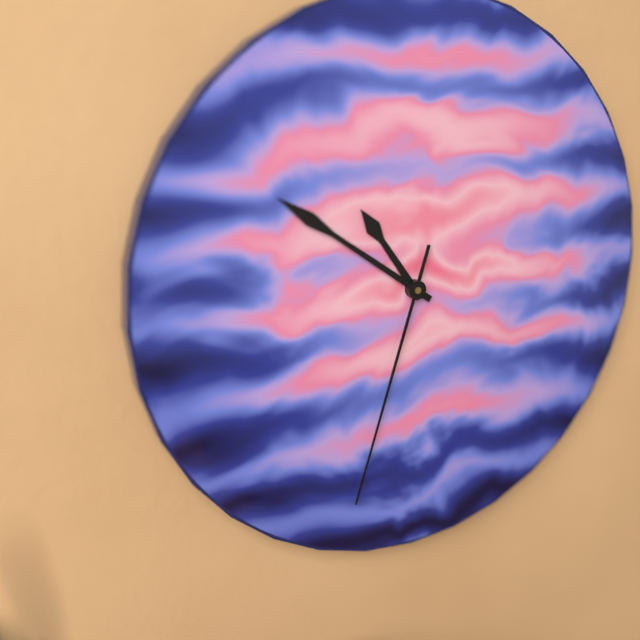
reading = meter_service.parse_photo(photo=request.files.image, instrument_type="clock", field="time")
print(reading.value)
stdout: 10:51:33
